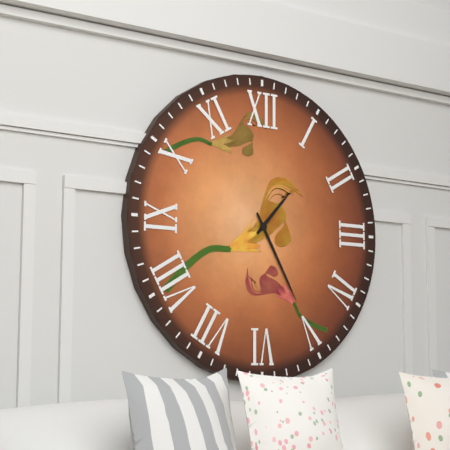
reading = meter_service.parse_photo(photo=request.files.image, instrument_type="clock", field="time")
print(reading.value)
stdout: 1:25
